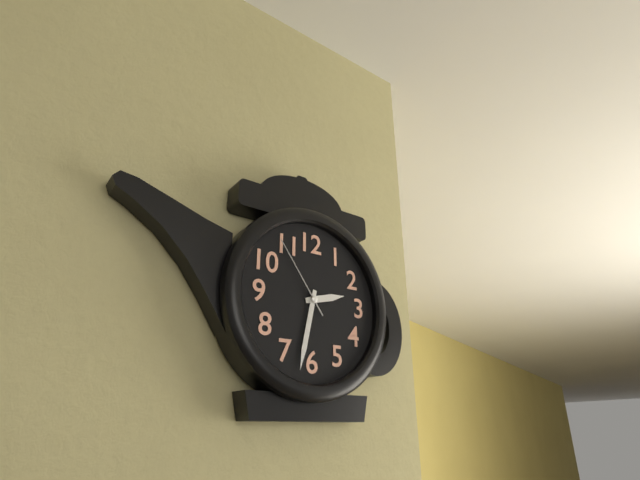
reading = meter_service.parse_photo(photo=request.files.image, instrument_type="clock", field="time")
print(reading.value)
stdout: 2:32:54
